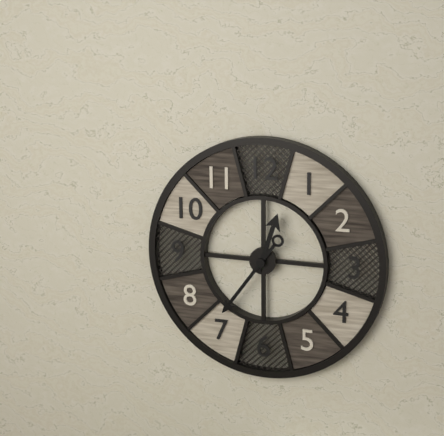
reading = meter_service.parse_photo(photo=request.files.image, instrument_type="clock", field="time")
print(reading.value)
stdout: 12:36
